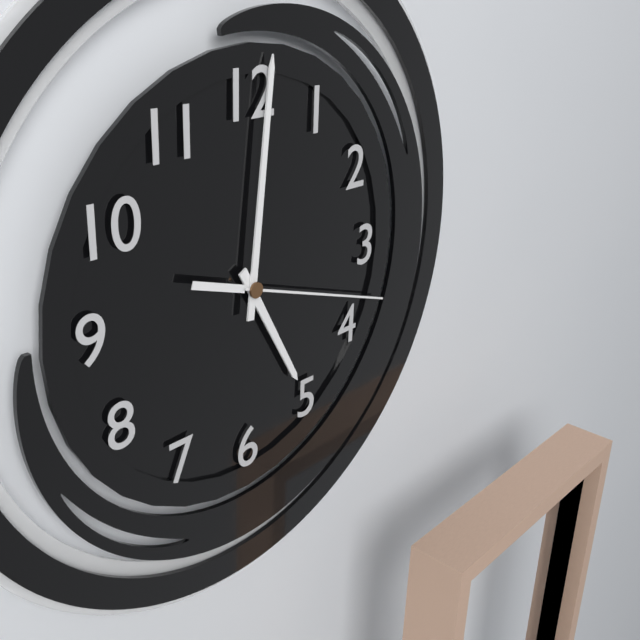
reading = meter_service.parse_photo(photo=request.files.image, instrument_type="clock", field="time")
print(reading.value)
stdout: 5:01:18
